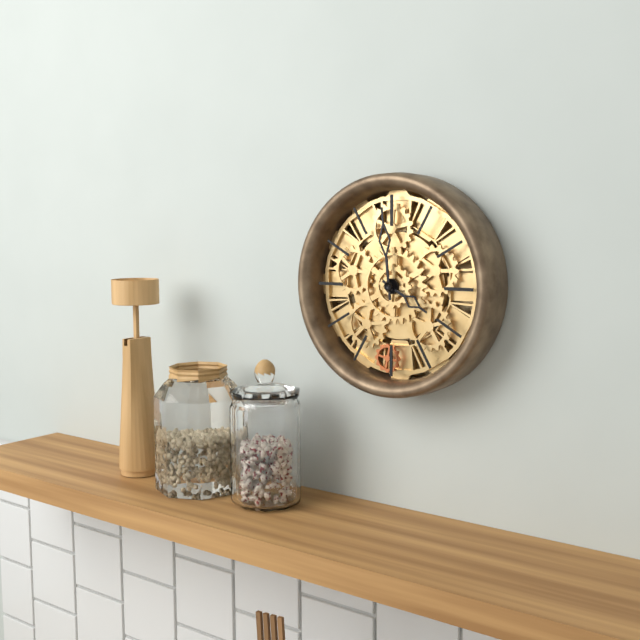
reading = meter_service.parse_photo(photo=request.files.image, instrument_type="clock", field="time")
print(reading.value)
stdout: 3:59
